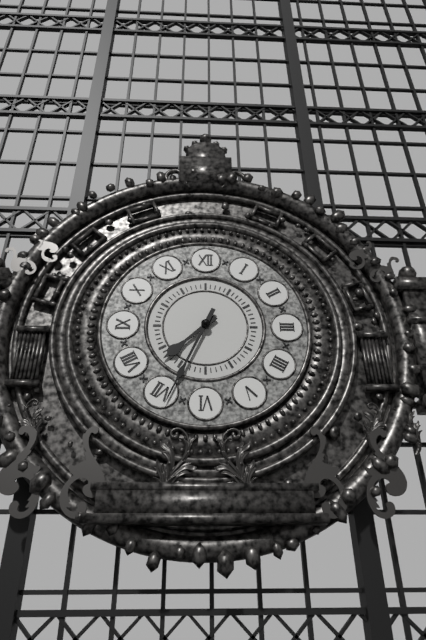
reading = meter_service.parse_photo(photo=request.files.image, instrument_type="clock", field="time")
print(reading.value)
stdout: 7:34
